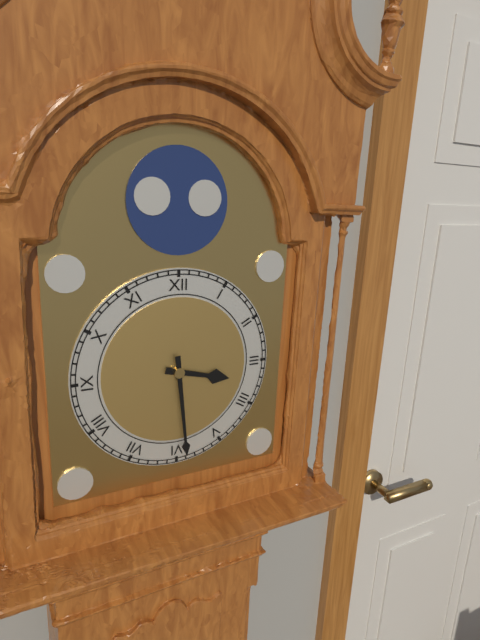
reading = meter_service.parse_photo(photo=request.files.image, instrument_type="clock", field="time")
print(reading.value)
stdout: 3:29
